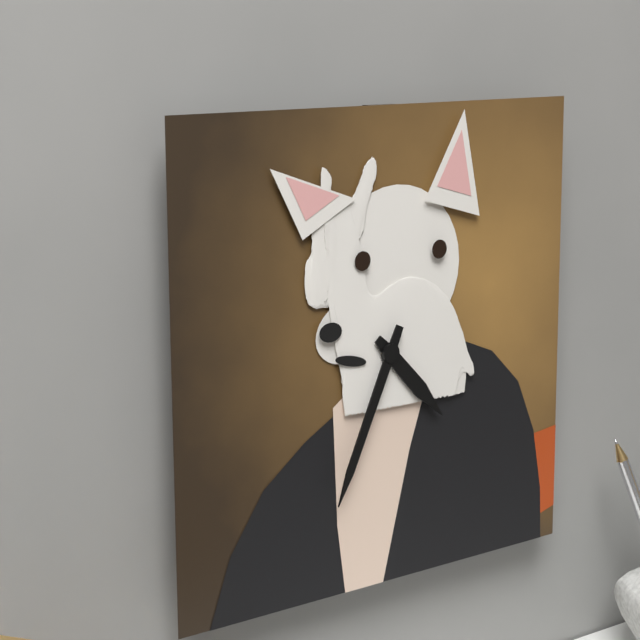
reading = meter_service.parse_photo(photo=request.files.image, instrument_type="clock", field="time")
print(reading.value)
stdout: 4:34
